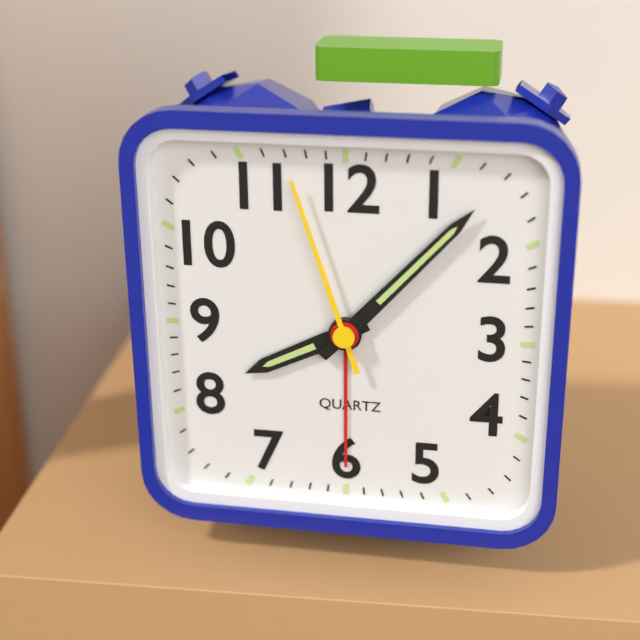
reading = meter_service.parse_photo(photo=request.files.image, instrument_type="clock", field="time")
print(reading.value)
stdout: 8:07:57
